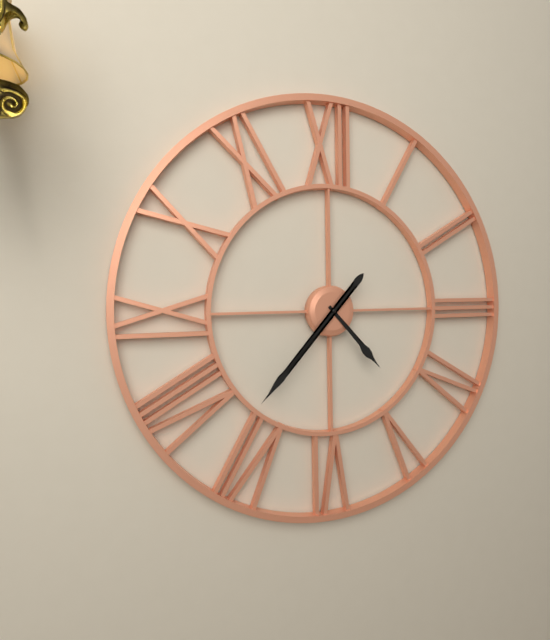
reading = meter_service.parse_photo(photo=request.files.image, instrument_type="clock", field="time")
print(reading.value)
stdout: 4:37
